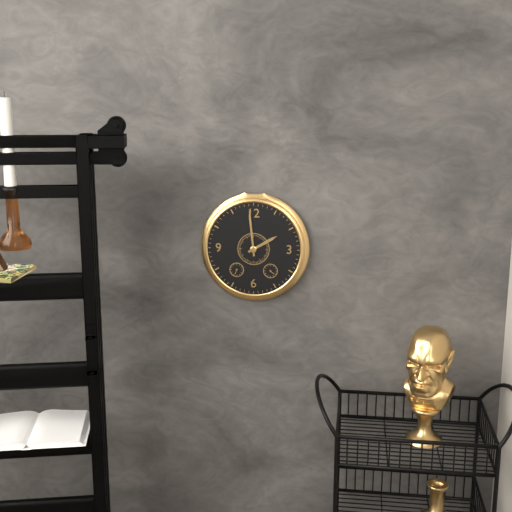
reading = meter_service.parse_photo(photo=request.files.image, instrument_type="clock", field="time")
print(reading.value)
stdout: 1:59
